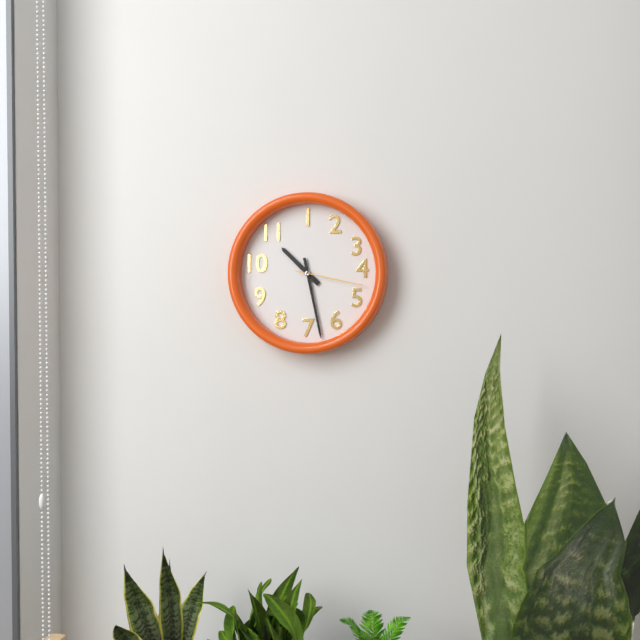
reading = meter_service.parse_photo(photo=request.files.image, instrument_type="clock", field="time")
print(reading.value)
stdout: 10:28:17
